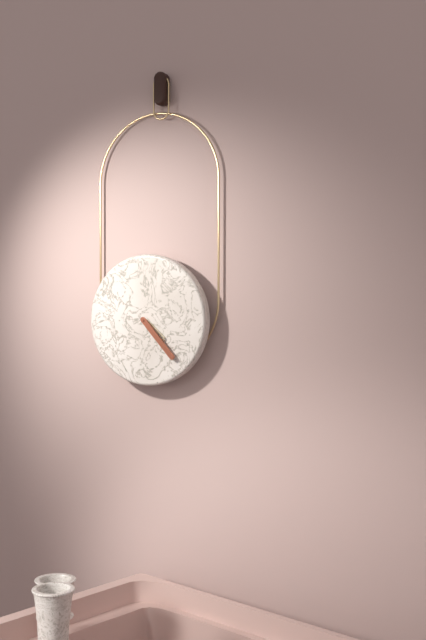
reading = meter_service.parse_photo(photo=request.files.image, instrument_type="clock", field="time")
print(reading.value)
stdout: 4:23
